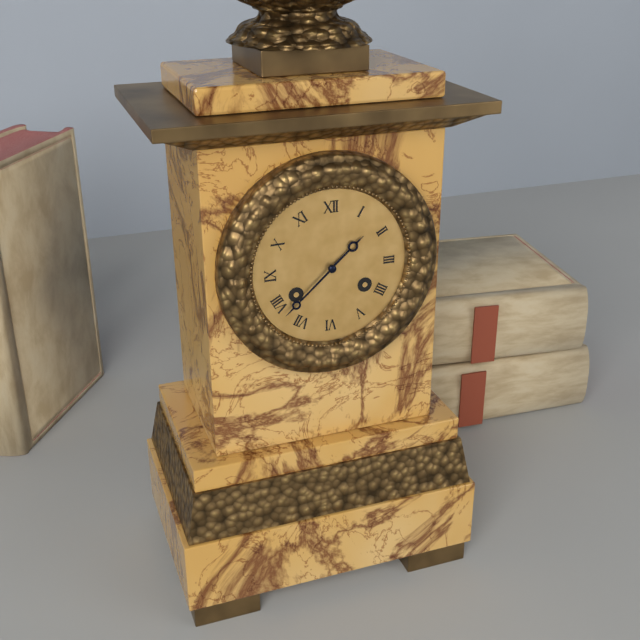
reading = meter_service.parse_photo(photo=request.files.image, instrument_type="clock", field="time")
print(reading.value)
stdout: 1:38
